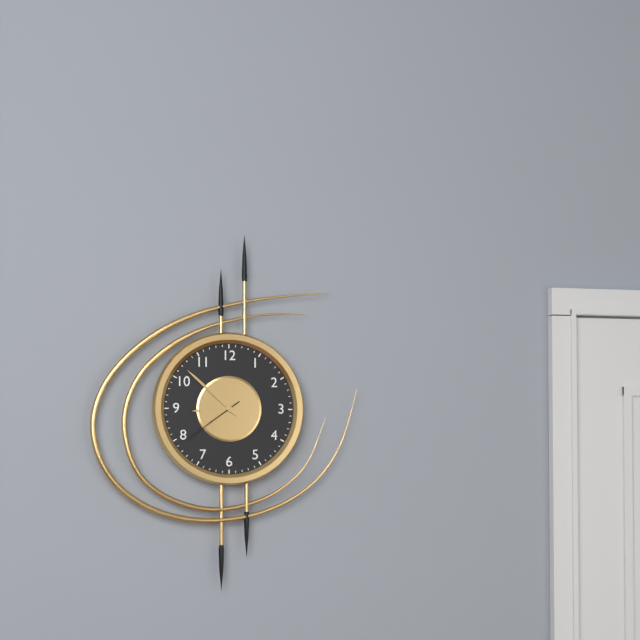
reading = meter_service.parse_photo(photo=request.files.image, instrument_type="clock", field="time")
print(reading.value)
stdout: 8:52:39
